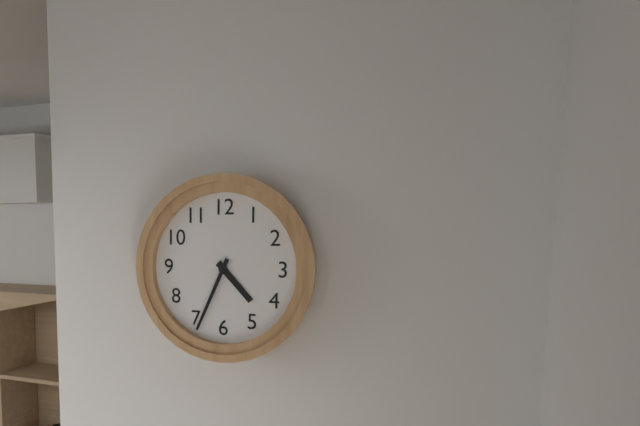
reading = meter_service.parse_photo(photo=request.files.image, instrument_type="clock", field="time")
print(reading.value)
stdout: 4:34
